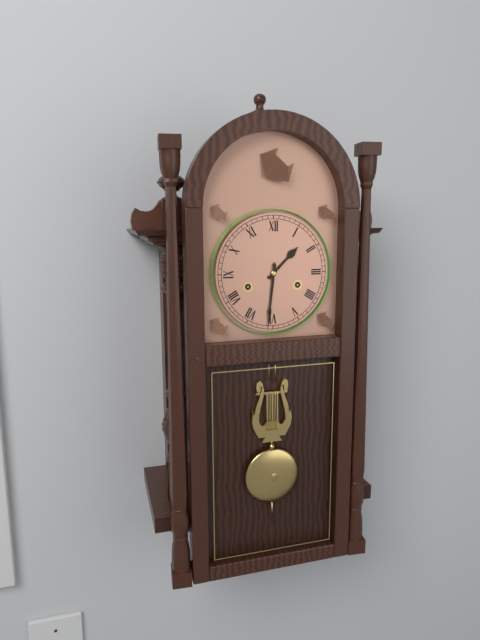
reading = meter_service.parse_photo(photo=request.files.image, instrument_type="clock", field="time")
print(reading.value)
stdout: 1:31
